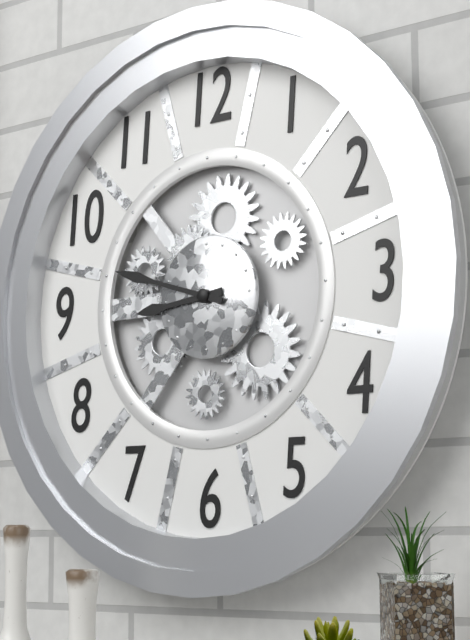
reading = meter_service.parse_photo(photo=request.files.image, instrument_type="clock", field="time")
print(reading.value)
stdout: 8:48
